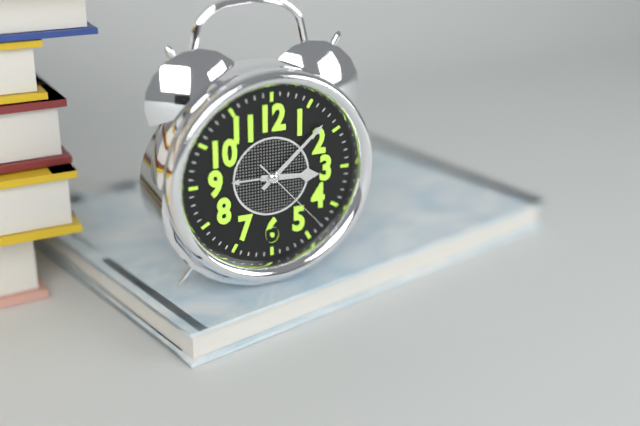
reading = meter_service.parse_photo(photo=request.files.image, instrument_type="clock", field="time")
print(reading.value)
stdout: 3:08:23
